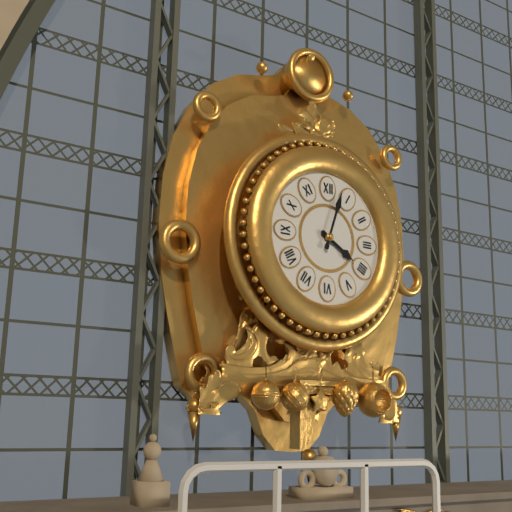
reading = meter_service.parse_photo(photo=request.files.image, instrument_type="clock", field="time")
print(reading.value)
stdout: 4:03
